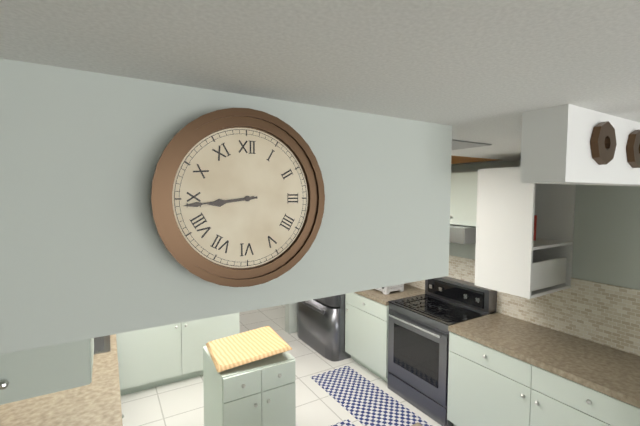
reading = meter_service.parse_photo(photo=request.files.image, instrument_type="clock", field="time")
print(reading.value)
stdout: 8:44
